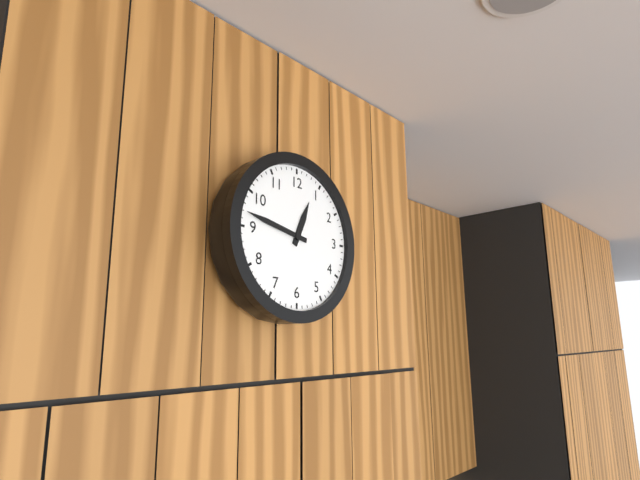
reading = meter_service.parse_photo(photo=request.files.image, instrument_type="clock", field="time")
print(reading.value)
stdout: 12:47
